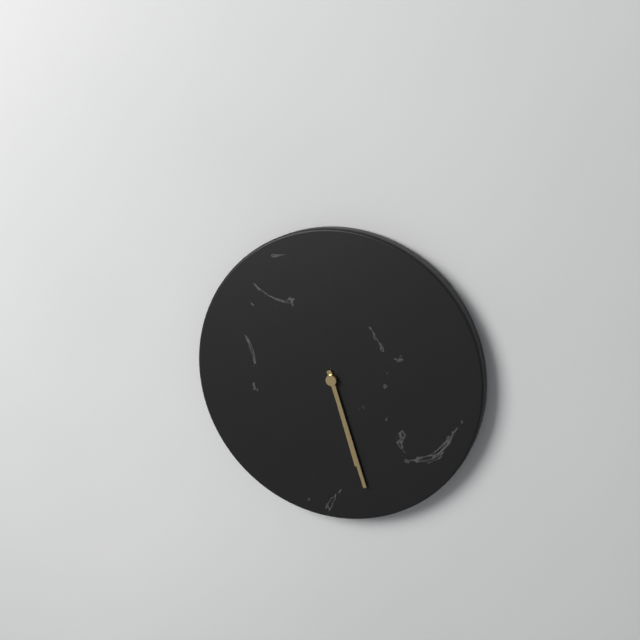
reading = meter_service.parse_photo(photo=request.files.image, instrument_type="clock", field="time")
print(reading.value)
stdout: 5:27
